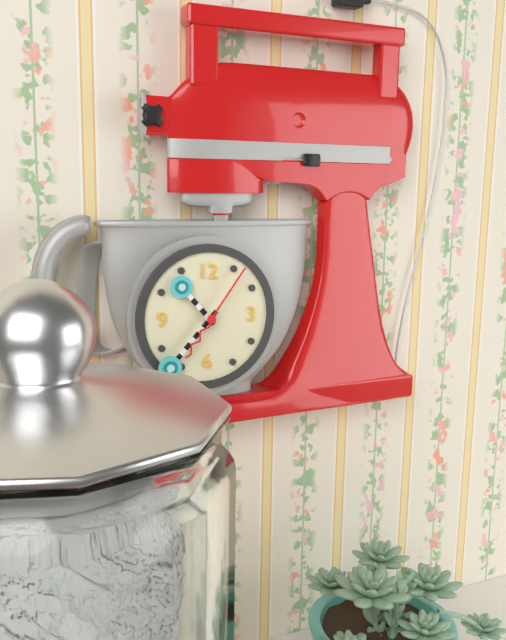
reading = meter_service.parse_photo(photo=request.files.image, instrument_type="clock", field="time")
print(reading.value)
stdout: 10:37:06
